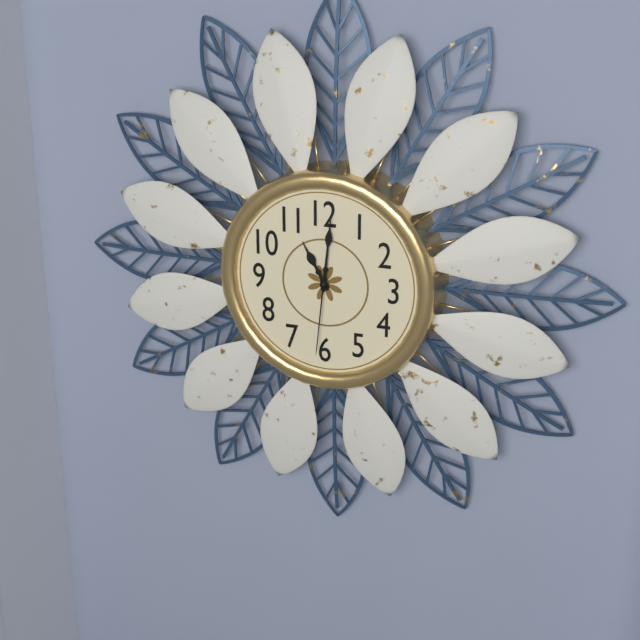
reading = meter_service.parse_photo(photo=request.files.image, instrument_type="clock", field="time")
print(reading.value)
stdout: 11:01:31
